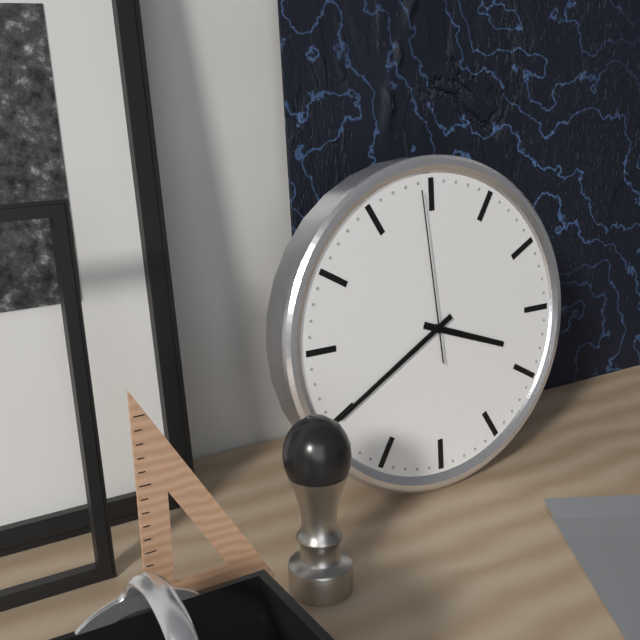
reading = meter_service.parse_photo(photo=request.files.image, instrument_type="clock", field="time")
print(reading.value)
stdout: 3:40:59
